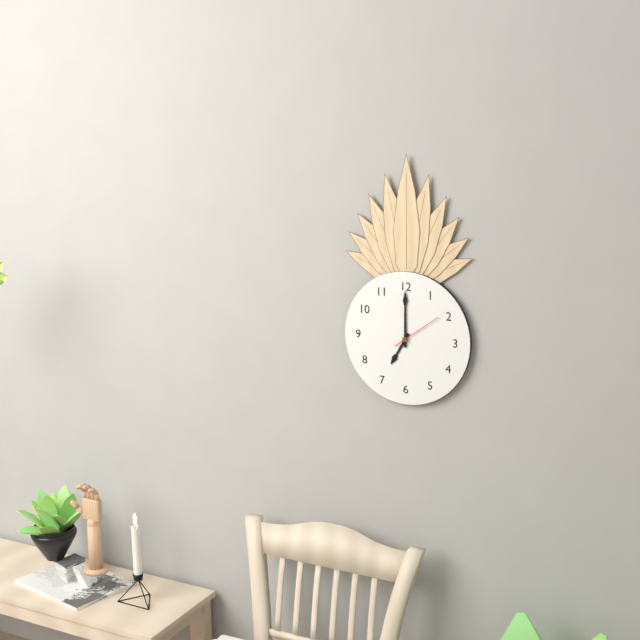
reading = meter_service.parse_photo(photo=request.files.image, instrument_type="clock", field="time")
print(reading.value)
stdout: 7:00
